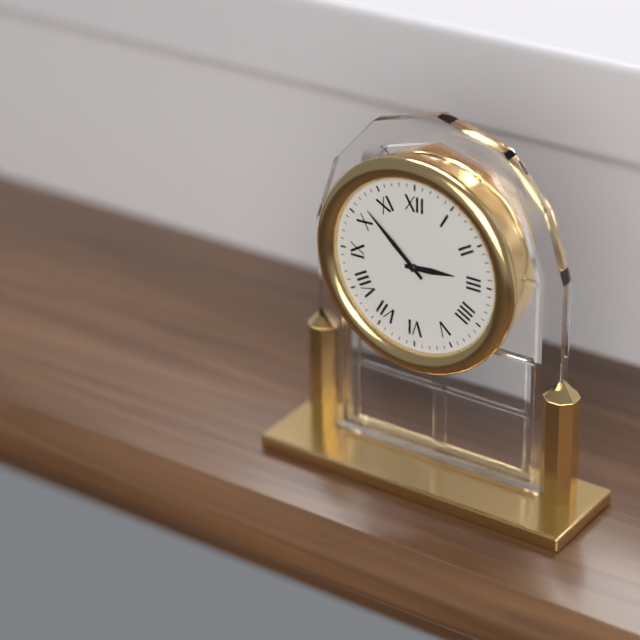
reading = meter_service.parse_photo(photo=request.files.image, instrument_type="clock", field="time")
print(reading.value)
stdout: 2:52
